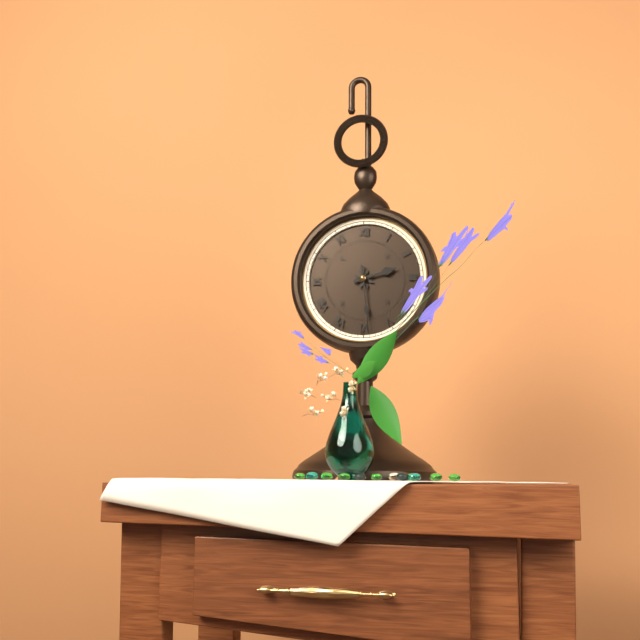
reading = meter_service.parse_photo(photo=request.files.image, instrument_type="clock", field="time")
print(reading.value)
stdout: 2:29
